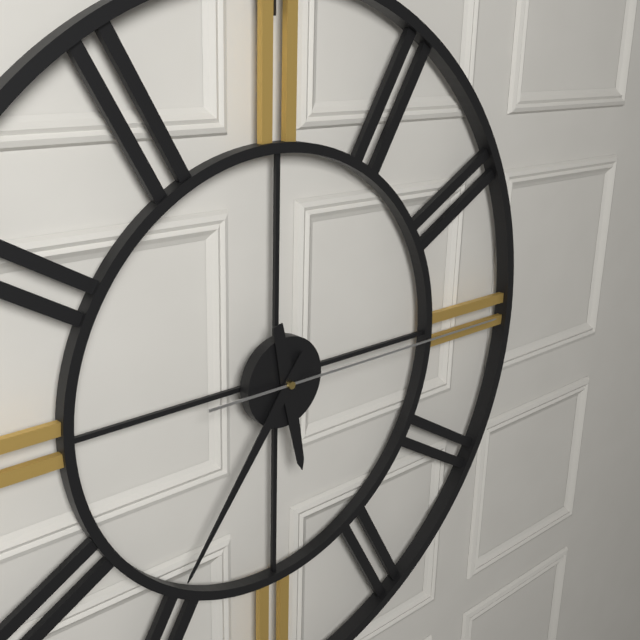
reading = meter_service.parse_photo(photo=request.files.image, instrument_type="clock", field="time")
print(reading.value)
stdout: 5:36:15
